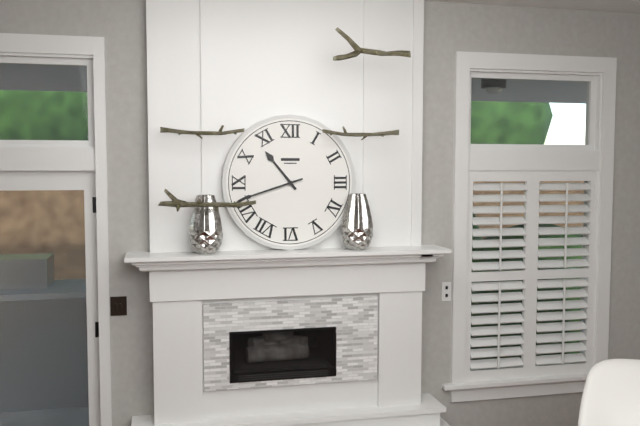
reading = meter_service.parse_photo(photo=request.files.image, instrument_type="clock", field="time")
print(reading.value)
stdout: 10:42
